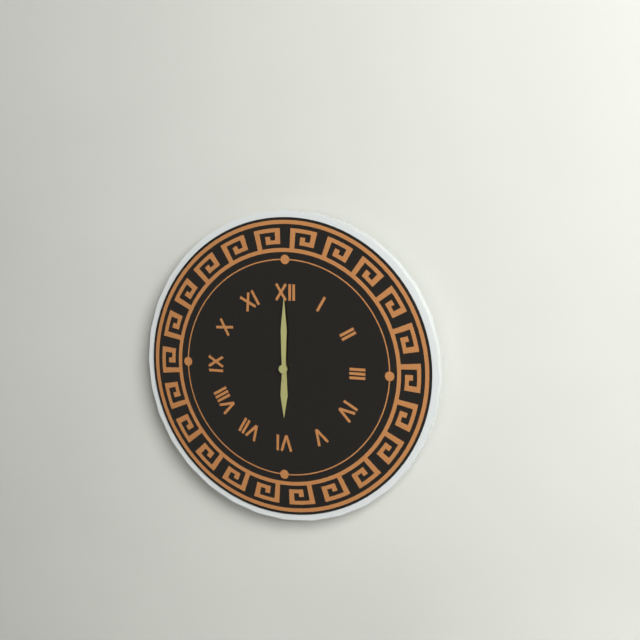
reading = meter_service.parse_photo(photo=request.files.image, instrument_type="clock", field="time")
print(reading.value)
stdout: 6:00
